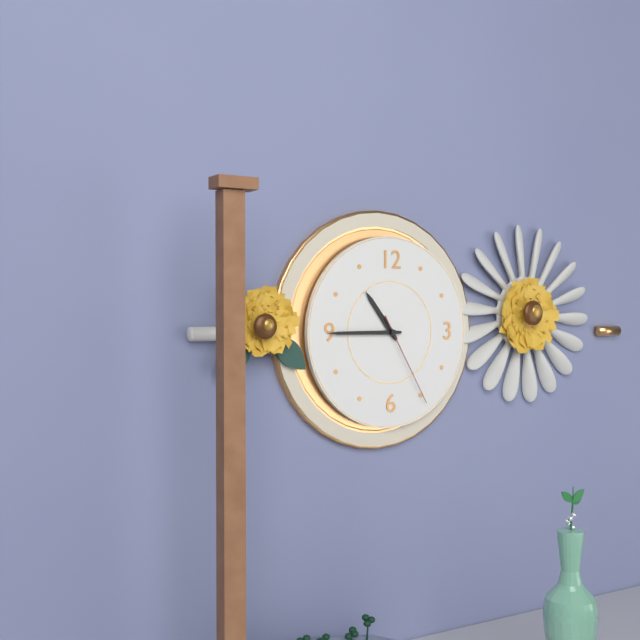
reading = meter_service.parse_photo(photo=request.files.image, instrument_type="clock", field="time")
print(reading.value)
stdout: 10:45:25
